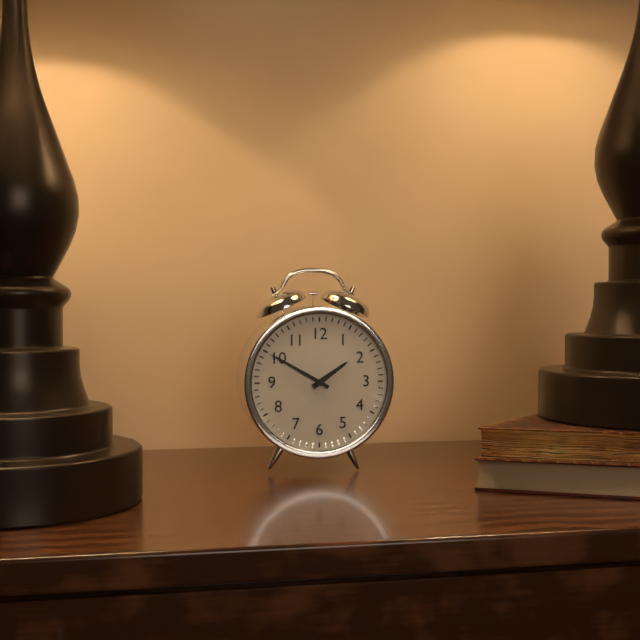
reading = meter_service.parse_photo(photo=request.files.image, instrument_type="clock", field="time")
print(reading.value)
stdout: 1:50
